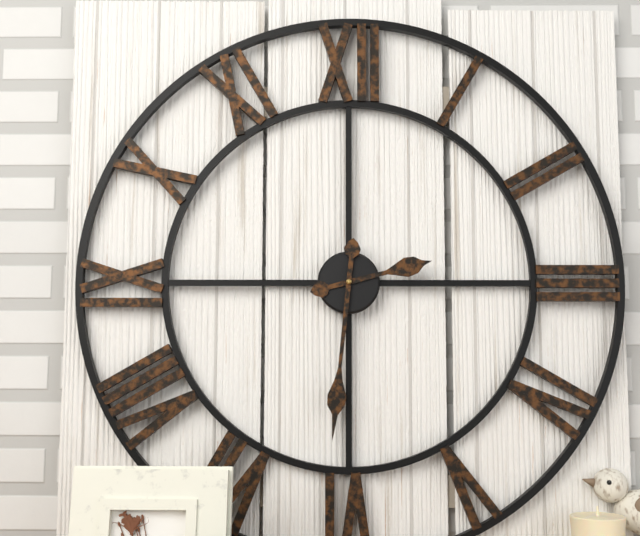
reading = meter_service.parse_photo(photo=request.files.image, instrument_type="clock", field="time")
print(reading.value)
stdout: 2:31
